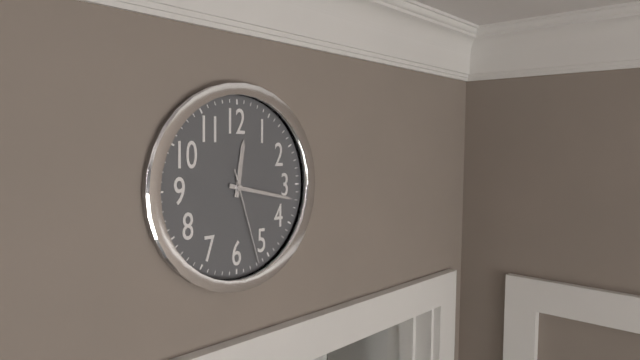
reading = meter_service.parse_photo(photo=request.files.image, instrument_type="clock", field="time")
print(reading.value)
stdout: 12:17:27
